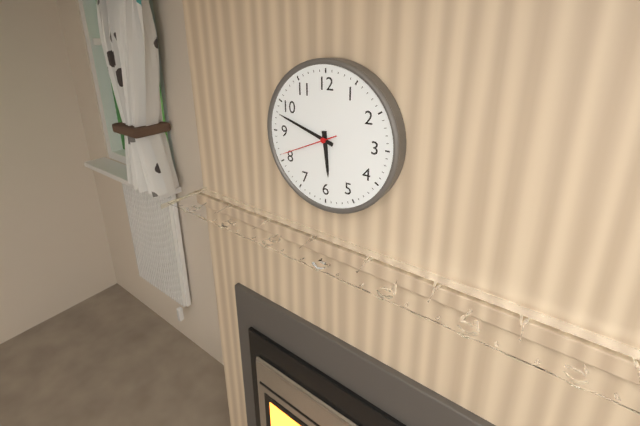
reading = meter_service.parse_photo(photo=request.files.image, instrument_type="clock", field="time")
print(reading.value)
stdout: 5:48:41
